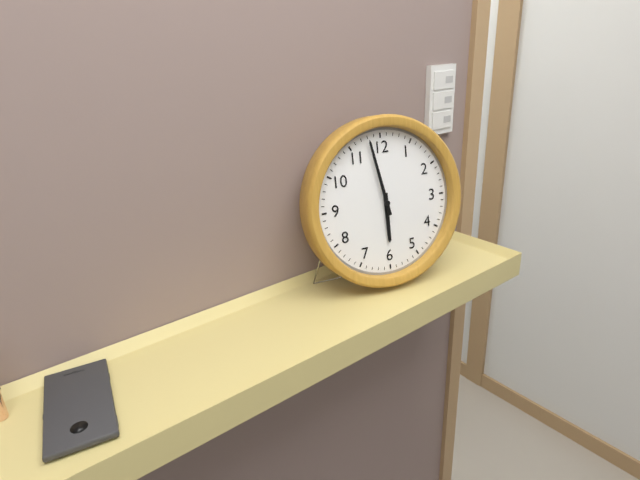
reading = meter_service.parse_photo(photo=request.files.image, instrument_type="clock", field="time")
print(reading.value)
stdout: 5:58
